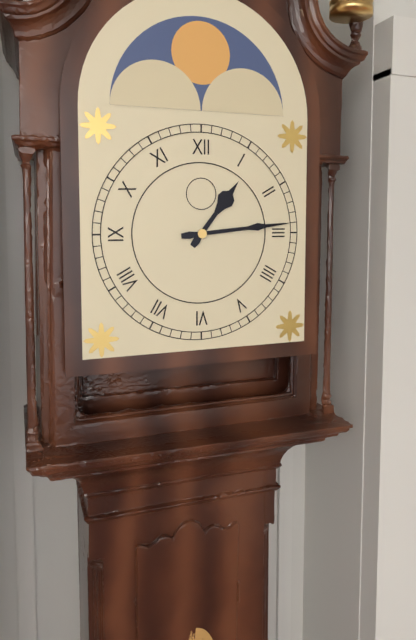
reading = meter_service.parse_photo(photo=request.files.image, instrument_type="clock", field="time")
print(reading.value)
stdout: 1:14
